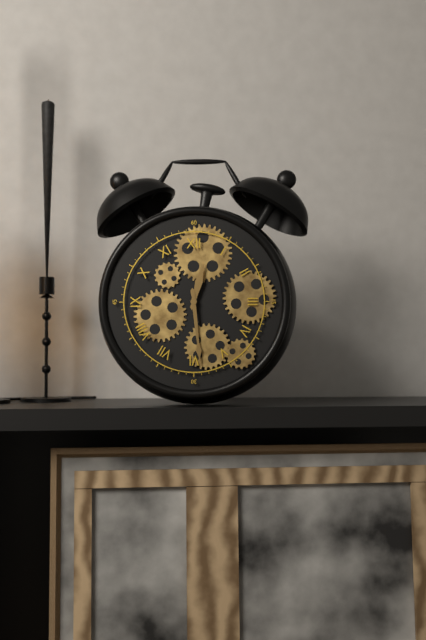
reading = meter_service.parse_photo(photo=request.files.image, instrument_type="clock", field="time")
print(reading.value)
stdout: 12:29
